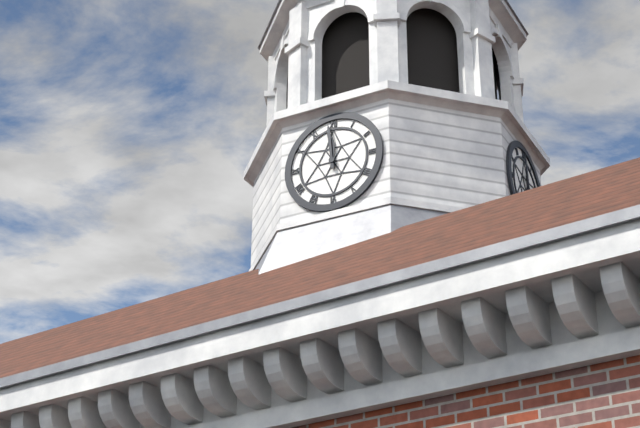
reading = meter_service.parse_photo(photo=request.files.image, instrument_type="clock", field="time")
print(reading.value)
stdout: 11:59
